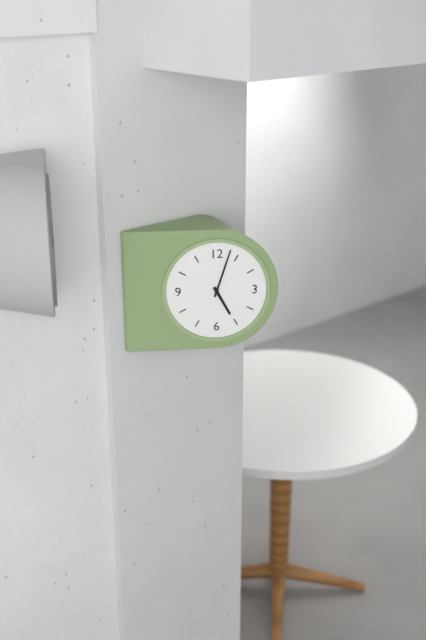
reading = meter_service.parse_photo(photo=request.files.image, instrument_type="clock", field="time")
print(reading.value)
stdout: 5:03
